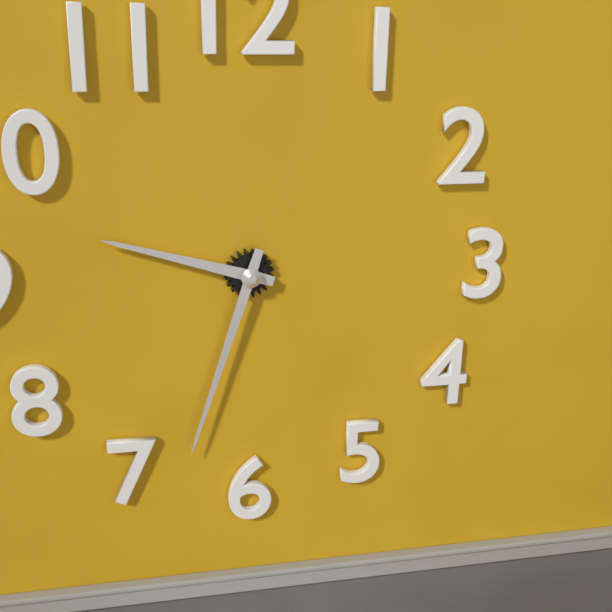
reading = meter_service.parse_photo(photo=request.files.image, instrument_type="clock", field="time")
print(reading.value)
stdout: 9:33
